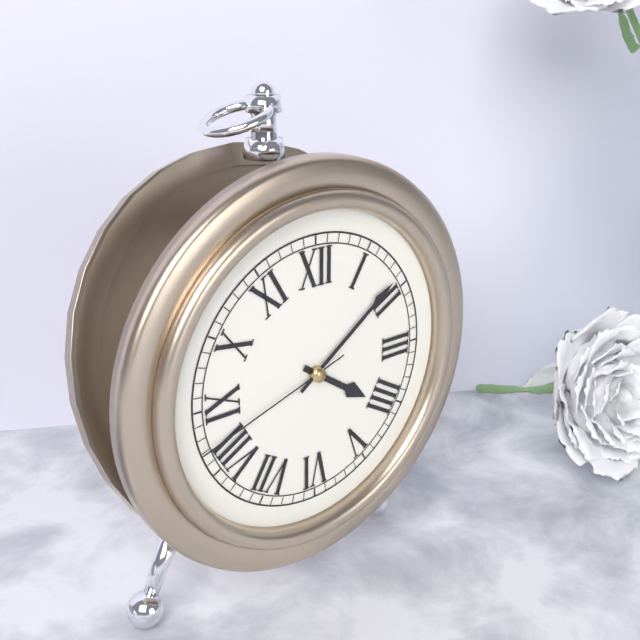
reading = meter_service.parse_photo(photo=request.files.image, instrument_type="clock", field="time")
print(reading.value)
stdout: 4:09:42
